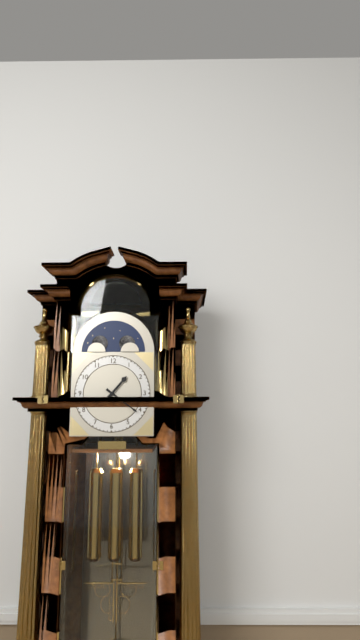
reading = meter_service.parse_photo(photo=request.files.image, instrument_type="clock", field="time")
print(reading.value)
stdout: 1:21
